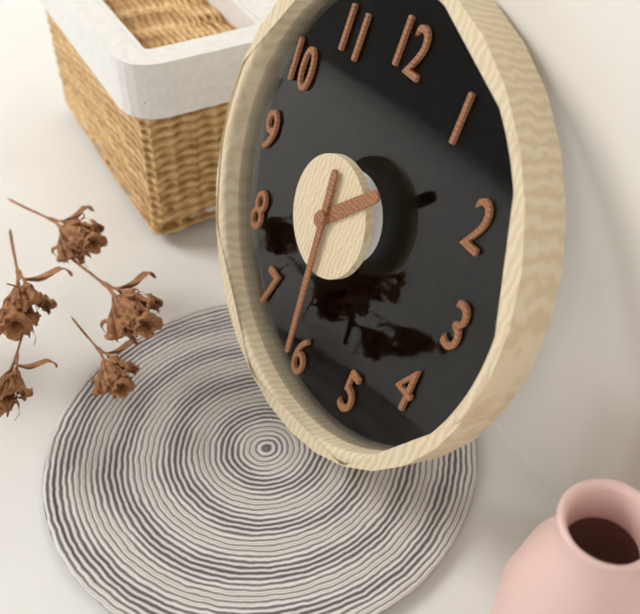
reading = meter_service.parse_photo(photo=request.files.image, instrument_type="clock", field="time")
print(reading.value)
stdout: 1:29
